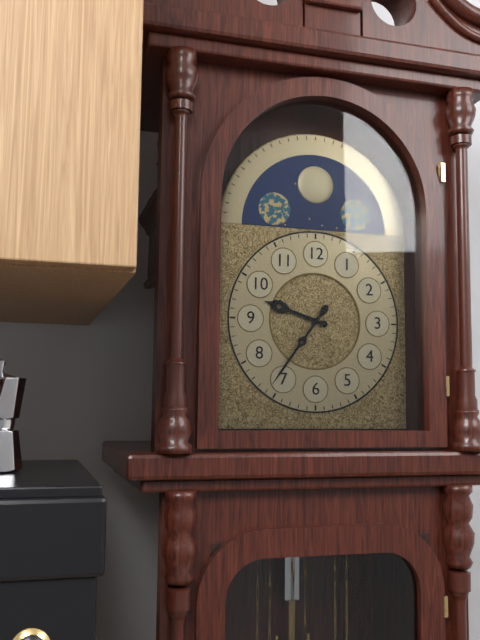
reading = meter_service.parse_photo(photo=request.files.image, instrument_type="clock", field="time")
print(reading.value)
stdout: 9:36
